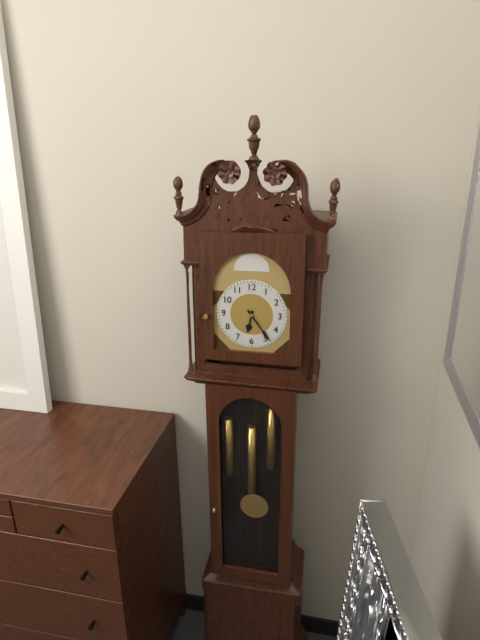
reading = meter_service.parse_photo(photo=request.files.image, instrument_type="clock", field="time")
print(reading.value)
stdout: 6:24
